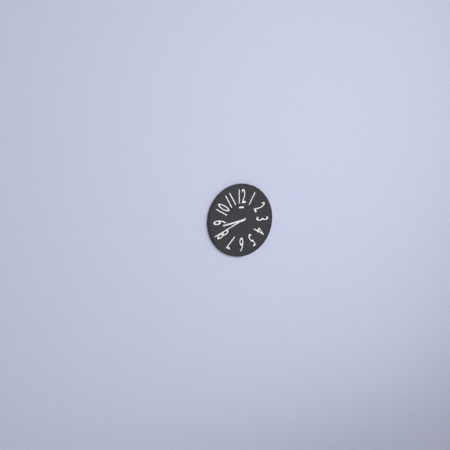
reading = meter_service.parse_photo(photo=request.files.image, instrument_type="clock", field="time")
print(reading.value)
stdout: 8:41
